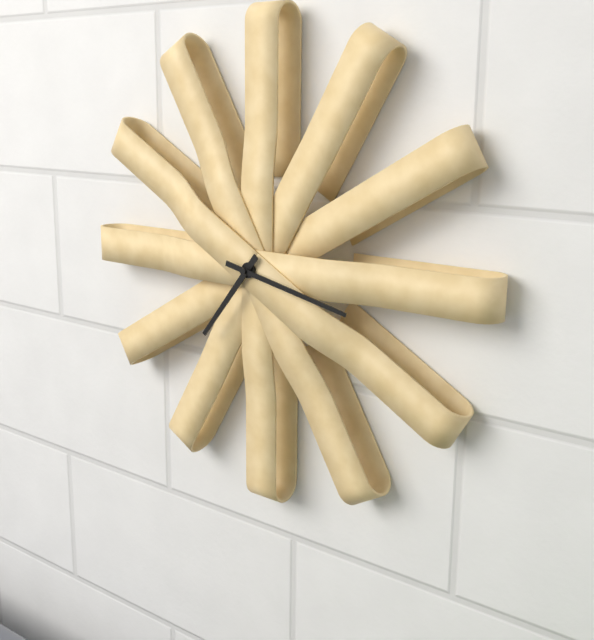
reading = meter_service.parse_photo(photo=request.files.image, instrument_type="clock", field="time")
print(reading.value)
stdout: 7:17
